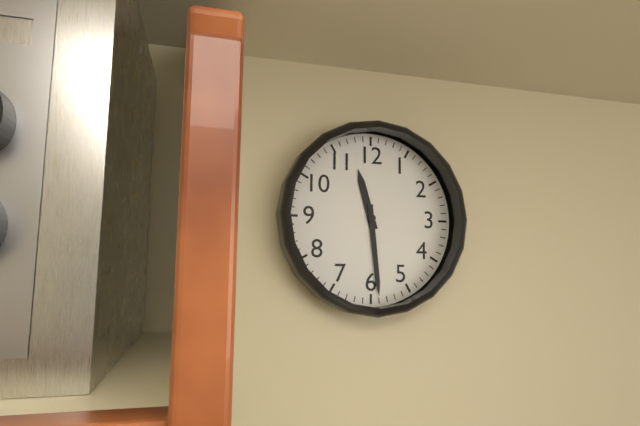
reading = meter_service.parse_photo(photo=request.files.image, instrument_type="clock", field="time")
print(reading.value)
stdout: 11:29
